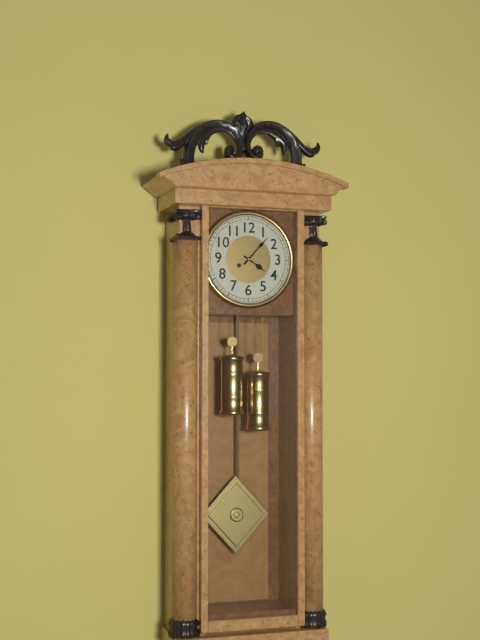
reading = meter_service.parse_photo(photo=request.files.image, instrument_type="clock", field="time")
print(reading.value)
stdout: 4:07
